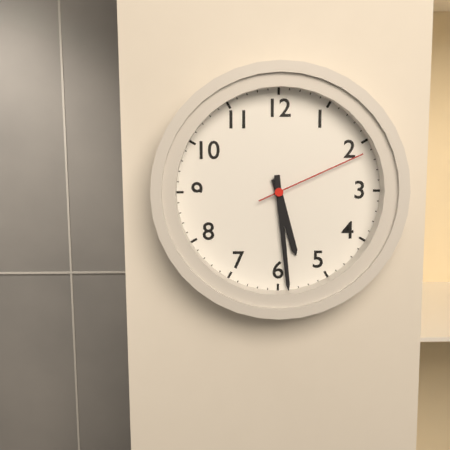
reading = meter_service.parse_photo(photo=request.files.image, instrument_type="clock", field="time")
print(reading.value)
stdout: 5:29:11
